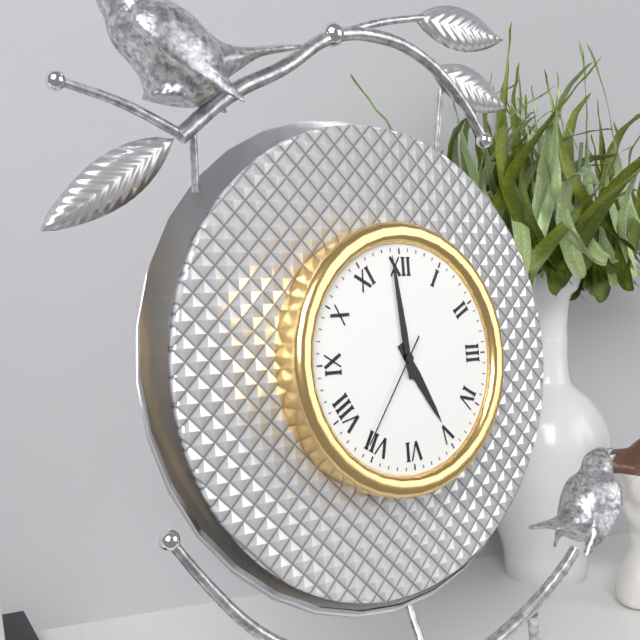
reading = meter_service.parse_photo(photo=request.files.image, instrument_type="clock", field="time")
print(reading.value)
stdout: 4:59:36
